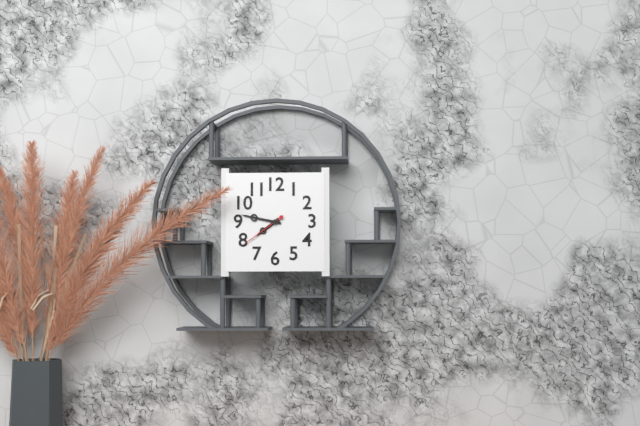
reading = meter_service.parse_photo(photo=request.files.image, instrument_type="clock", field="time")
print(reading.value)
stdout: 7:47
